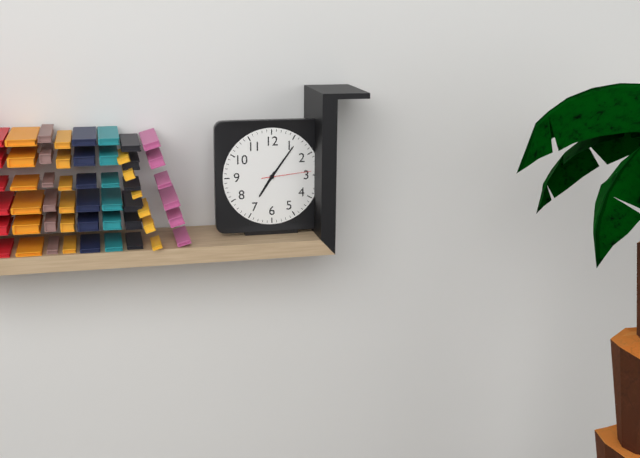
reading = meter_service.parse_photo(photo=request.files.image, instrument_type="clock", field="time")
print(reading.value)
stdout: 7:06:14
